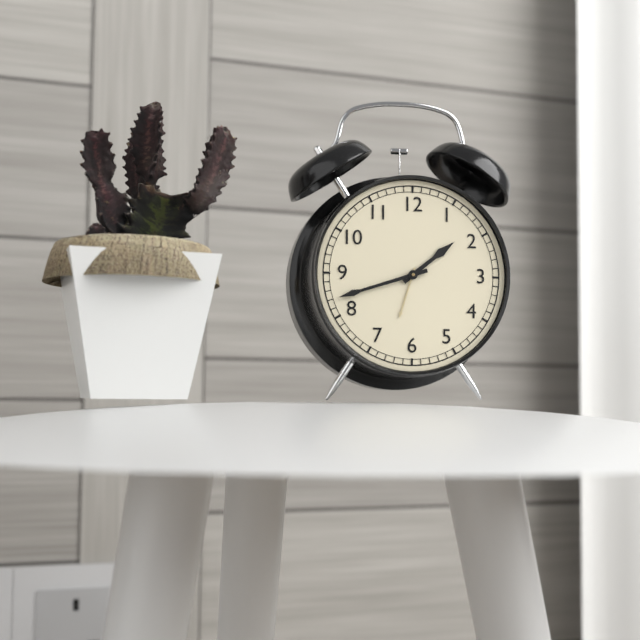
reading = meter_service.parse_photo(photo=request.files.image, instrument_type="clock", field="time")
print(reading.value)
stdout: 1:42
